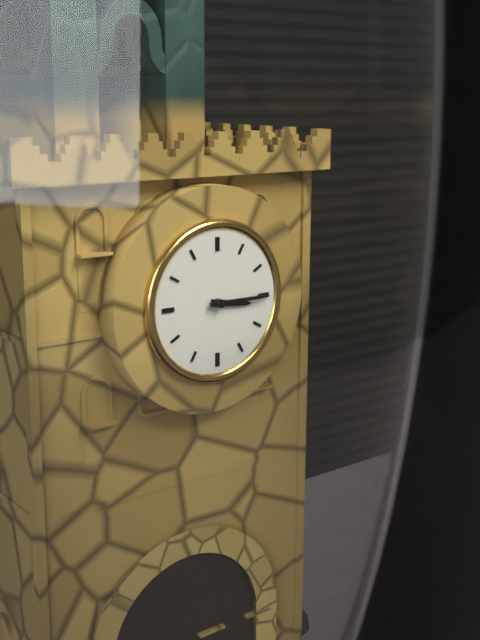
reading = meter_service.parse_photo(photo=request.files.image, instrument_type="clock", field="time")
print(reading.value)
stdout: 3:15
